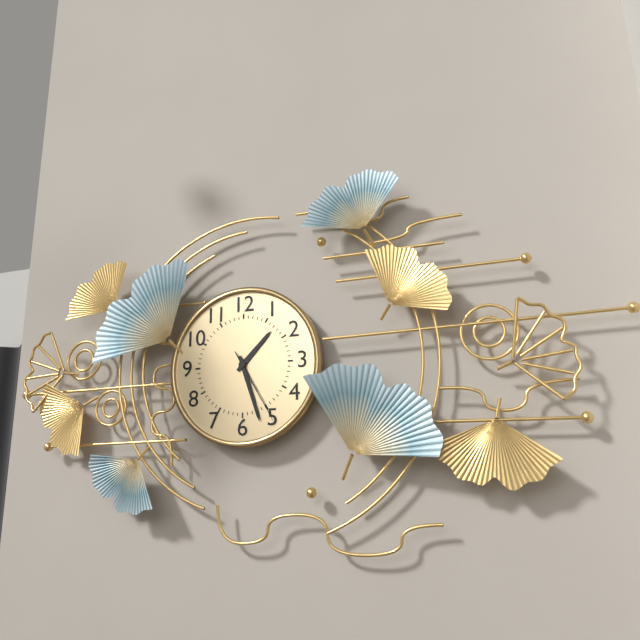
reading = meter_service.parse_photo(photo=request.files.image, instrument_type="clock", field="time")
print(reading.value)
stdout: 1:27:25
